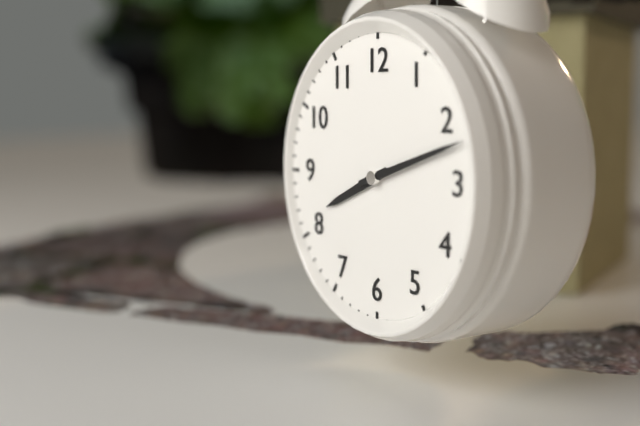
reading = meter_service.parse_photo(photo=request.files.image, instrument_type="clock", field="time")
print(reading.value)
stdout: 8:12
